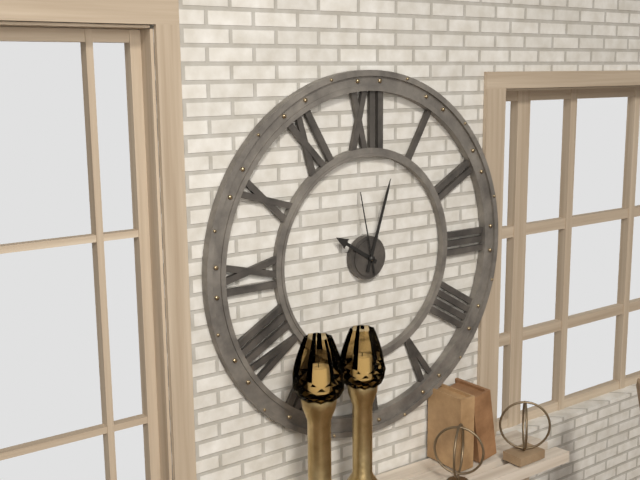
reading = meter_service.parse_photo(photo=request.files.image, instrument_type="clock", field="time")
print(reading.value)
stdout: 10:03:58
